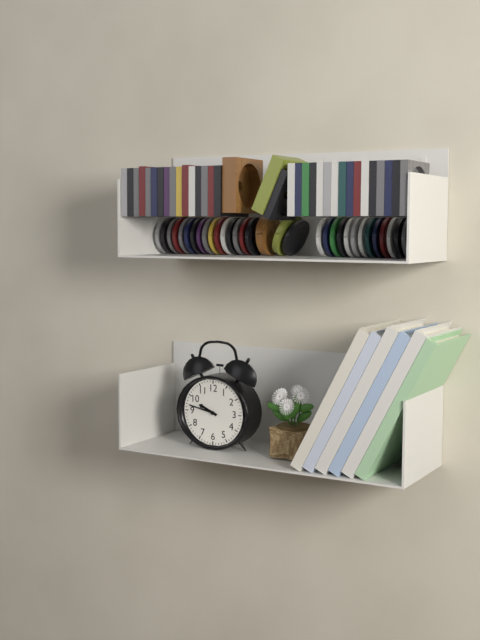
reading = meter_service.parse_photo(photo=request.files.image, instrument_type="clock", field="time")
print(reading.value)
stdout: 9:47
